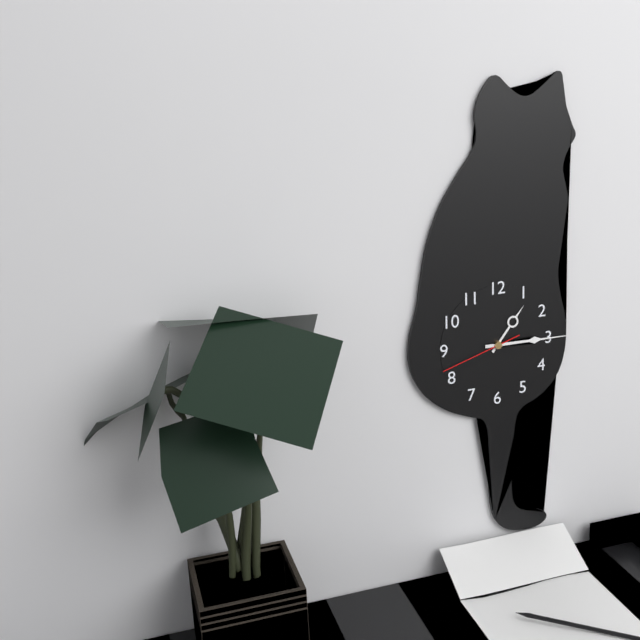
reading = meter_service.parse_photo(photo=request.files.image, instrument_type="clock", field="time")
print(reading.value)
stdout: 1:15:42
